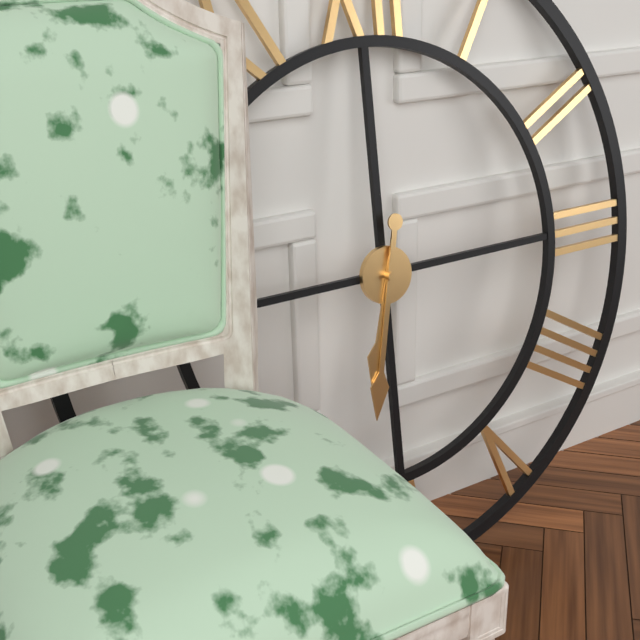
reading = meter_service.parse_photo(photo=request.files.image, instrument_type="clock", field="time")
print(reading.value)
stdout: 6:32
